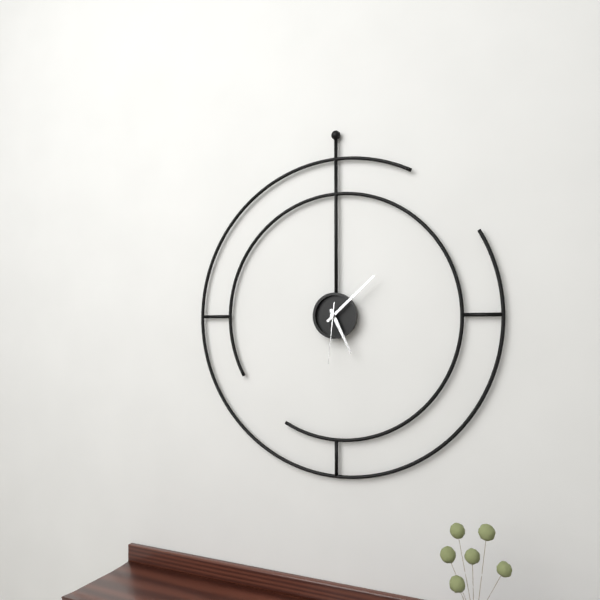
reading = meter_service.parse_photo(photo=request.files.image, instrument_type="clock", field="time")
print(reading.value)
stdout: 5:08:31
